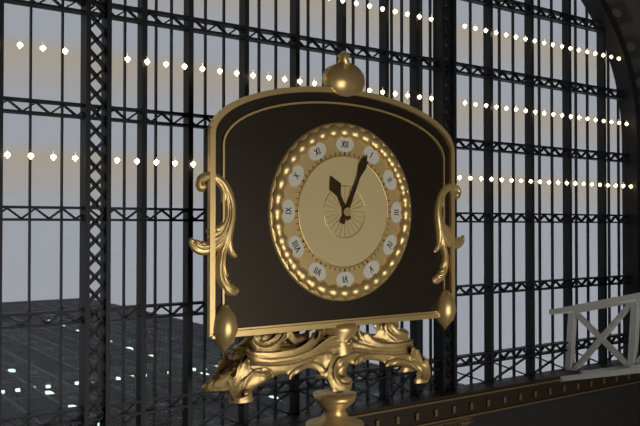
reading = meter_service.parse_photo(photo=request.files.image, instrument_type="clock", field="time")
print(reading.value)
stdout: 11:04
